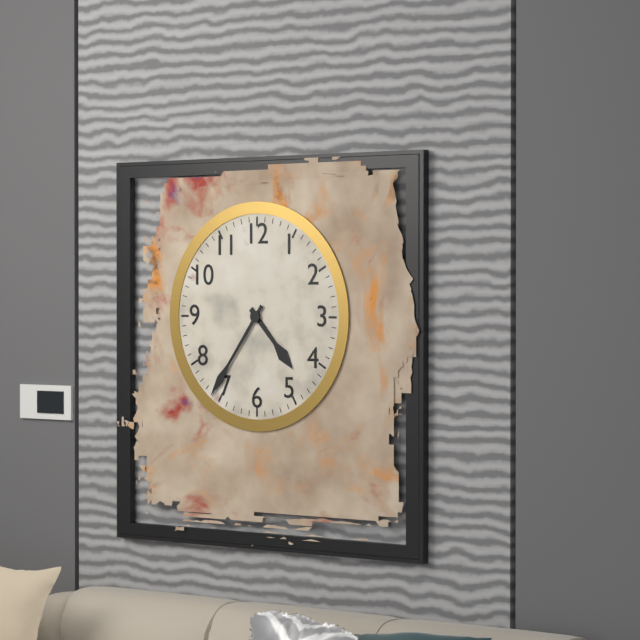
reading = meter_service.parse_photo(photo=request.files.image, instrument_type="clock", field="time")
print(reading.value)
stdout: 4:36
